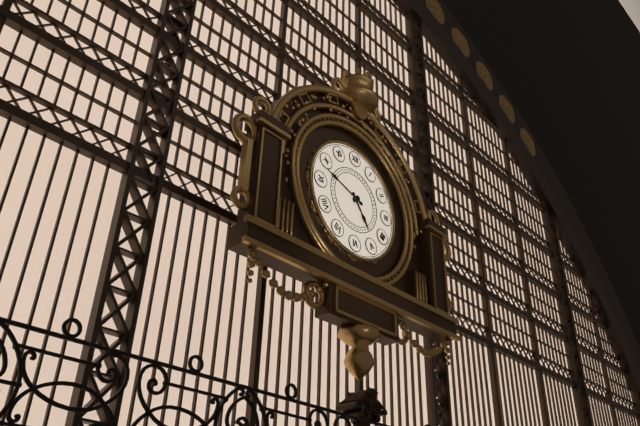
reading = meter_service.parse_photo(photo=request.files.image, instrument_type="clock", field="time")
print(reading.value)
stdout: 4:48
